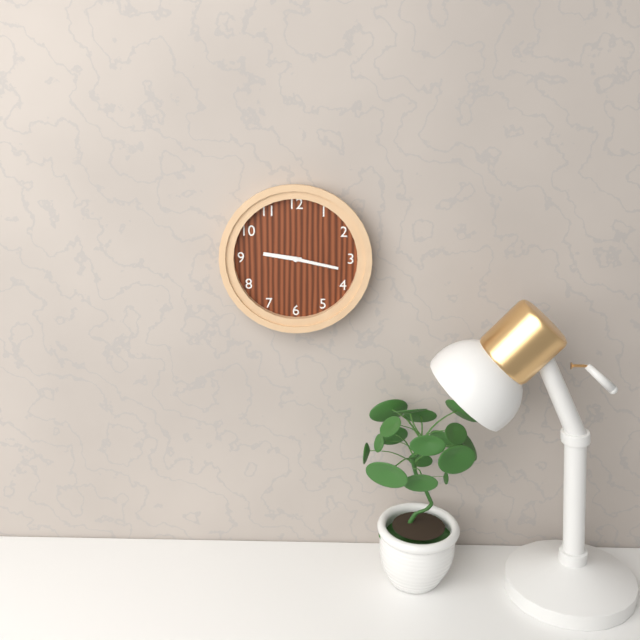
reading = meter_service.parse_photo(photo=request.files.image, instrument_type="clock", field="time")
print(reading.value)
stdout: 9:17
